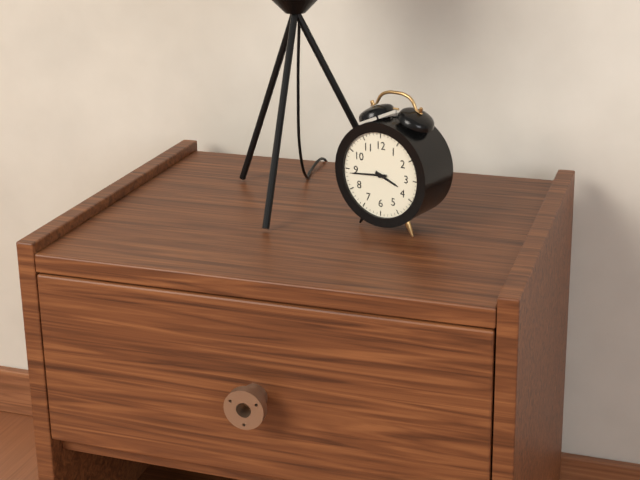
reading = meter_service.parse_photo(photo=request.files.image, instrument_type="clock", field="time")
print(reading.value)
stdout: 3:44
